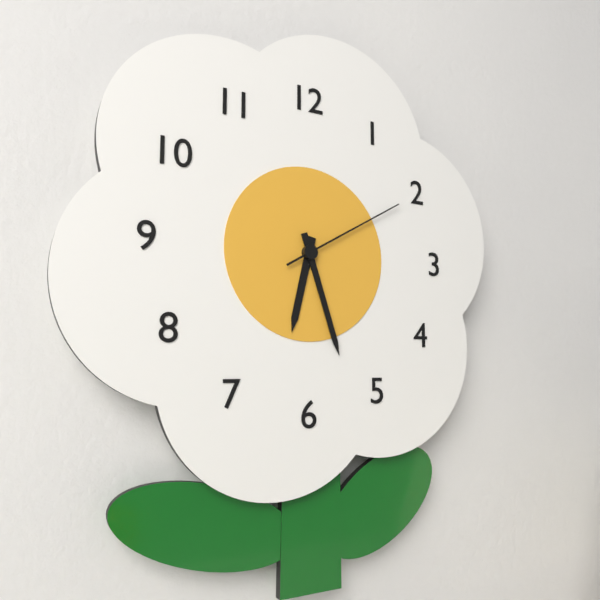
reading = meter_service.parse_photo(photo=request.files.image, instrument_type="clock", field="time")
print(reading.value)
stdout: 6:27:10
